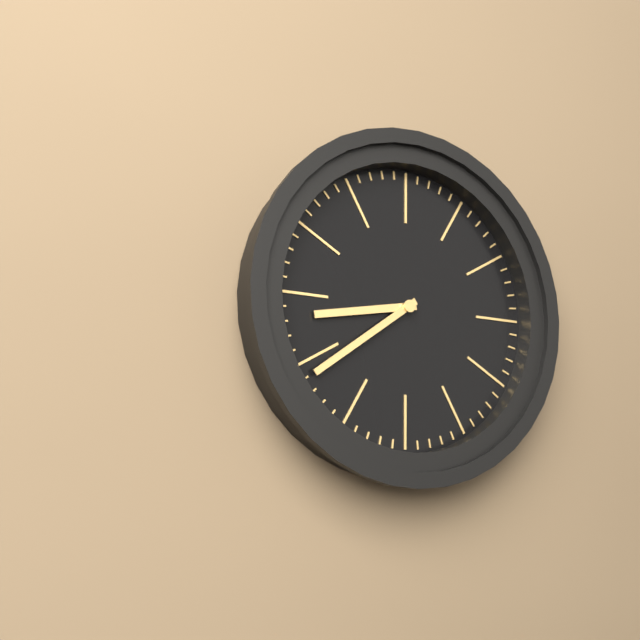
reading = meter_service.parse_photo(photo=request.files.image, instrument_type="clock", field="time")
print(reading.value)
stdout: 8:39
